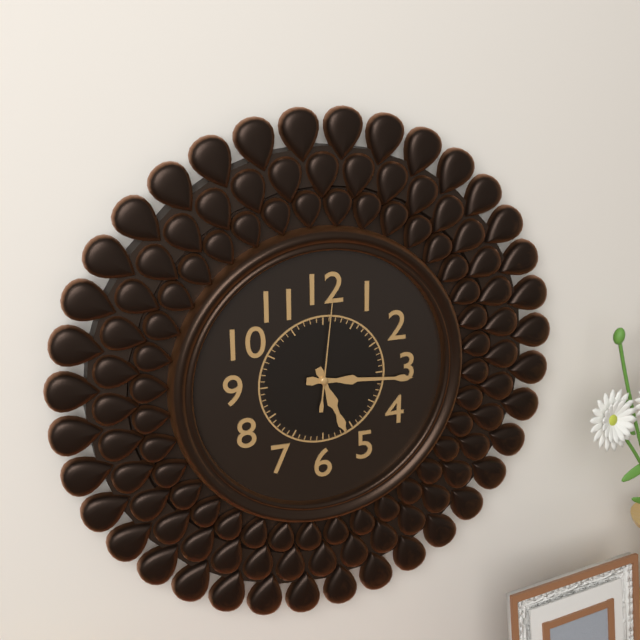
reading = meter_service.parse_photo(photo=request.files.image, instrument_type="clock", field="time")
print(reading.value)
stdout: 5:16:01
